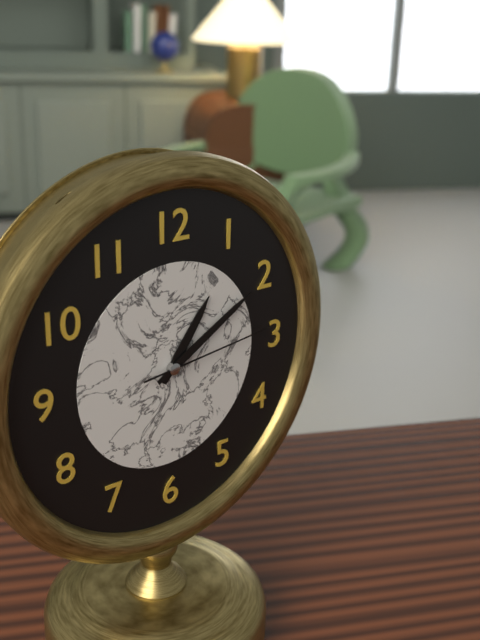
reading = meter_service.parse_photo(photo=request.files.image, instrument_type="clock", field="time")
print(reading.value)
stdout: 1:10:14
